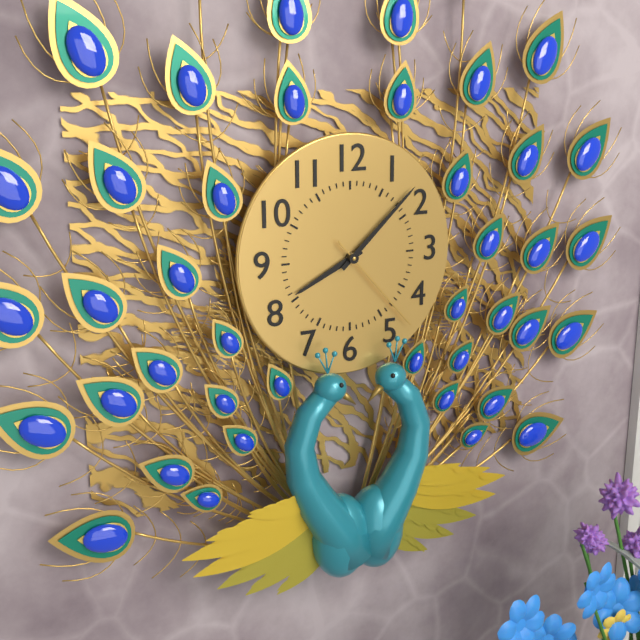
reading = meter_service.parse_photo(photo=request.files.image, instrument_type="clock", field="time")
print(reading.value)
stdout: 8:08:23
